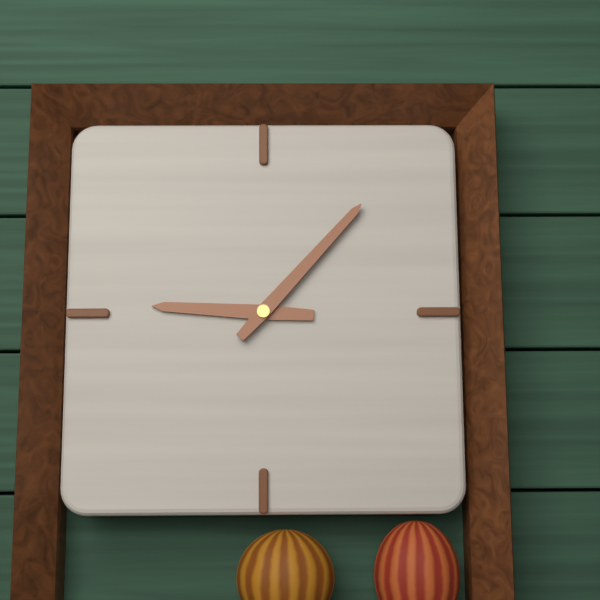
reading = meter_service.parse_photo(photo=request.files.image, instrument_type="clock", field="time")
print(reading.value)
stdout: 9:07
